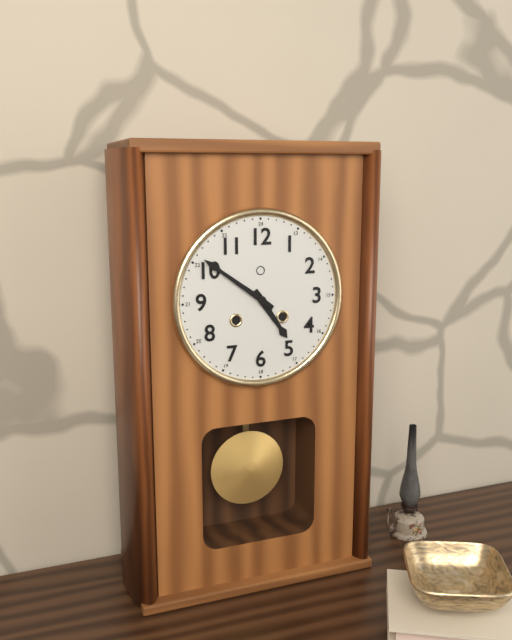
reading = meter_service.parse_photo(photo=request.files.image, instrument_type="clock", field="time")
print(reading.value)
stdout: 4:51
